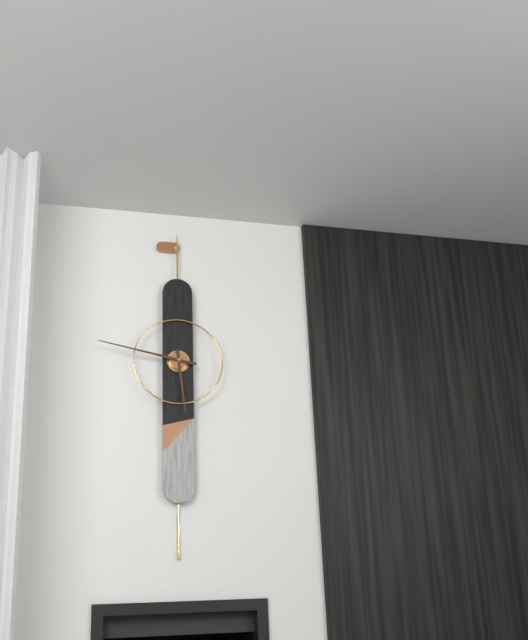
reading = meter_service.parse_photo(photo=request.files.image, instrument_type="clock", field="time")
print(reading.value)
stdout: 5:47
